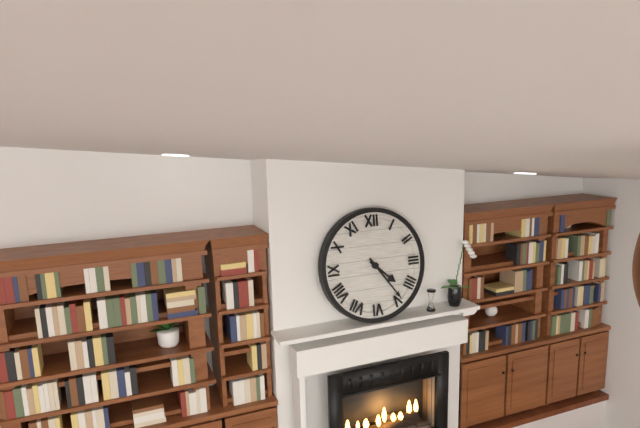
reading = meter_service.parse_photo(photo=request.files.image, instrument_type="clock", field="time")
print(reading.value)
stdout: 4:24
